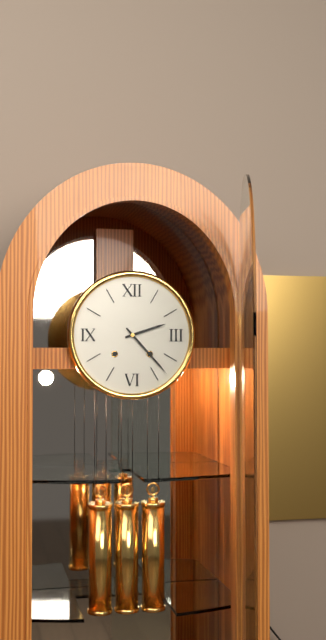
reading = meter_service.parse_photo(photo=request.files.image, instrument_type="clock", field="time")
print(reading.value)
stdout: 2:23
